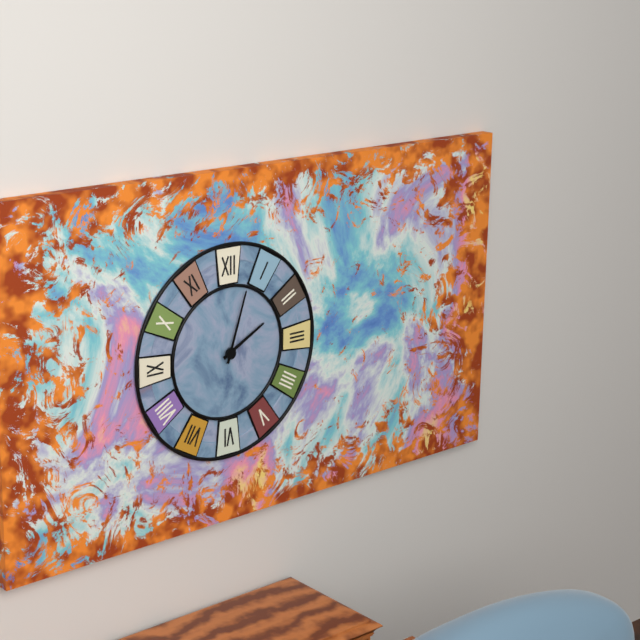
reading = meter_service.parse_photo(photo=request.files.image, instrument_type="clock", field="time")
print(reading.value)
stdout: 2:03
